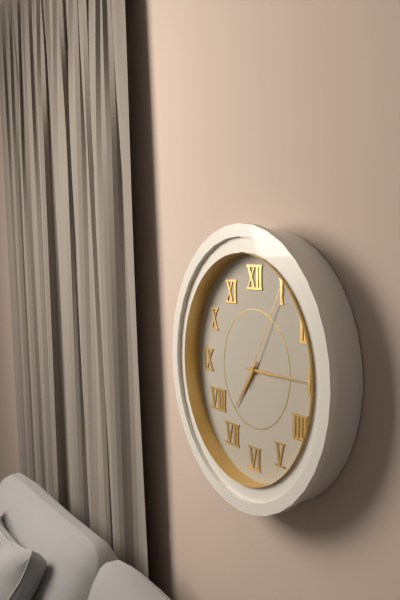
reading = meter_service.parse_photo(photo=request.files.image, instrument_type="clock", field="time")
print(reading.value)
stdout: 7:15:05
